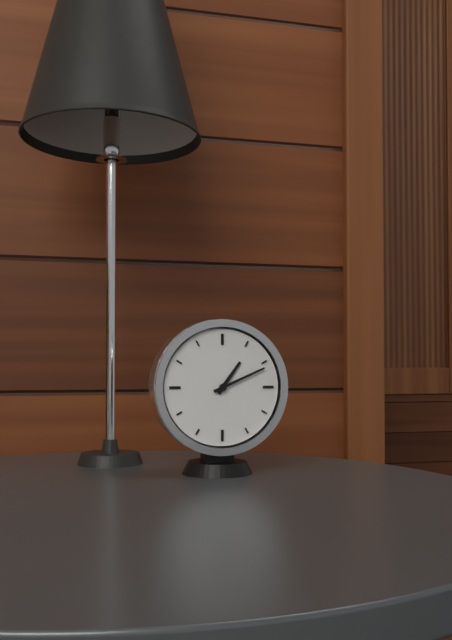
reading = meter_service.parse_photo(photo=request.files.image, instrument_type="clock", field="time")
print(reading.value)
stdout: 1:11
